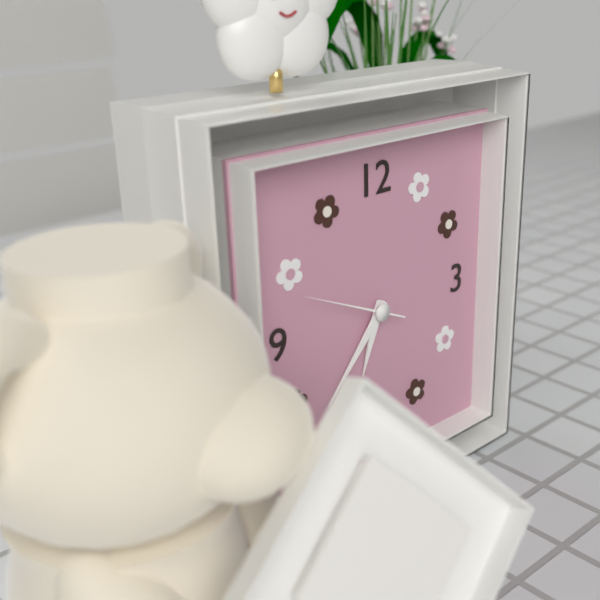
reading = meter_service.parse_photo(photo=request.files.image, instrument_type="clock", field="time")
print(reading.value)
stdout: 6:37:49
